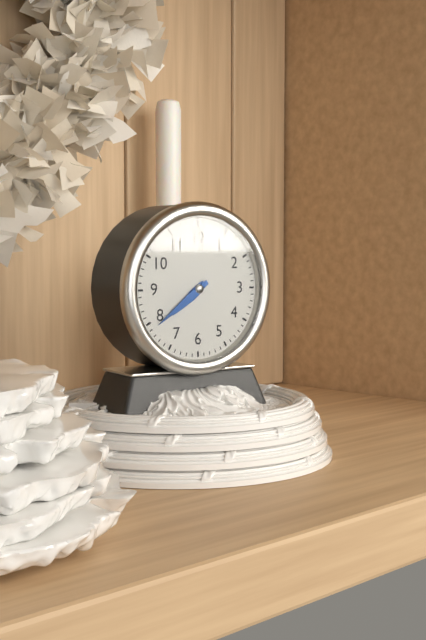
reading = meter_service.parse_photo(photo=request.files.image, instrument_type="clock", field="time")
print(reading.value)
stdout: 7:39
